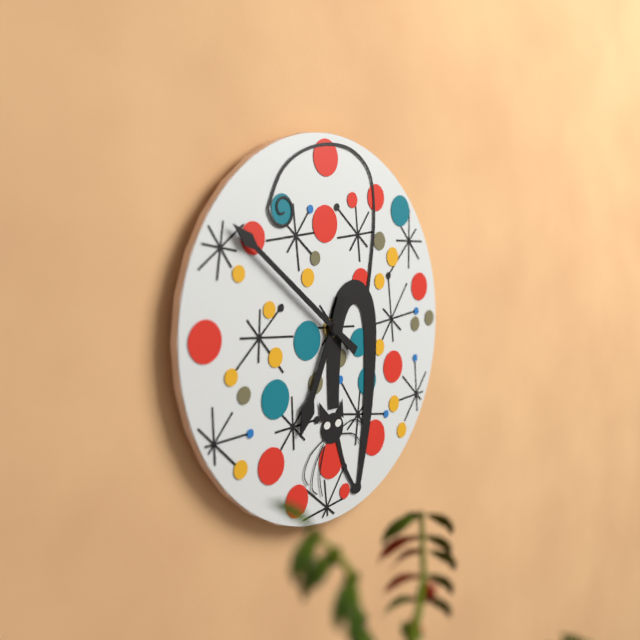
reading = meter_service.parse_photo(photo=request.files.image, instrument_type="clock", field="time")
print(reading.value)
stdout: 6:51
